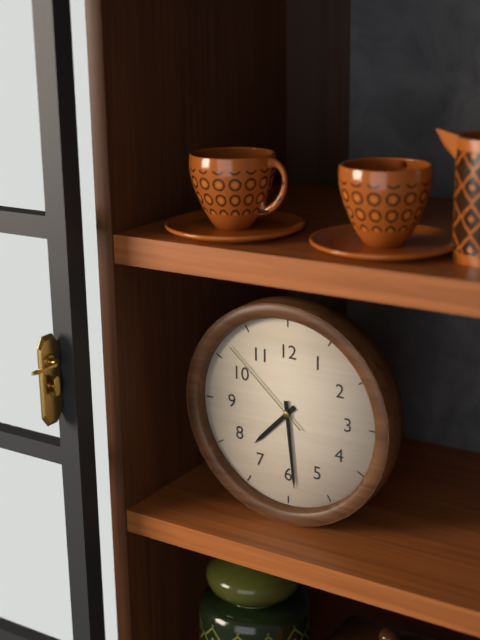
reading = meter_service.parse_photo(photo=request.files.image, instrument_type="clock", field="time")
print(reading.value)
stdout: 7:29:52
